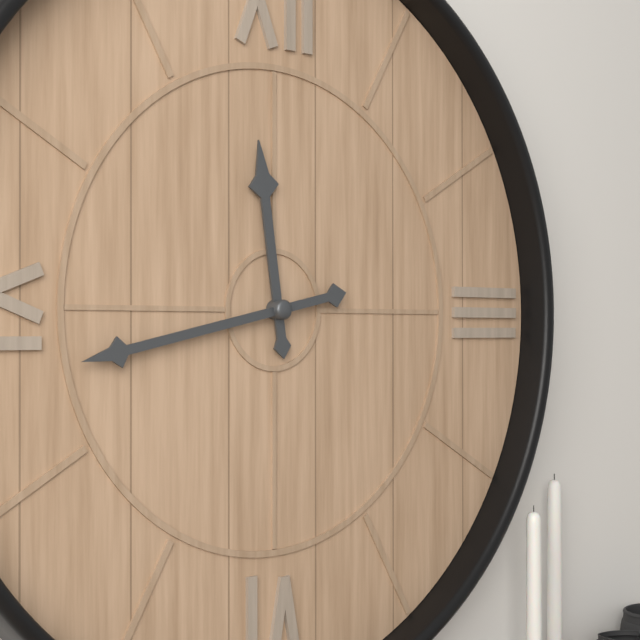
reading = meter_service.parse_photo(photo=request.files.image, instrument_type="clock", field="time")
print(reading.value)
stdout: 11:43
